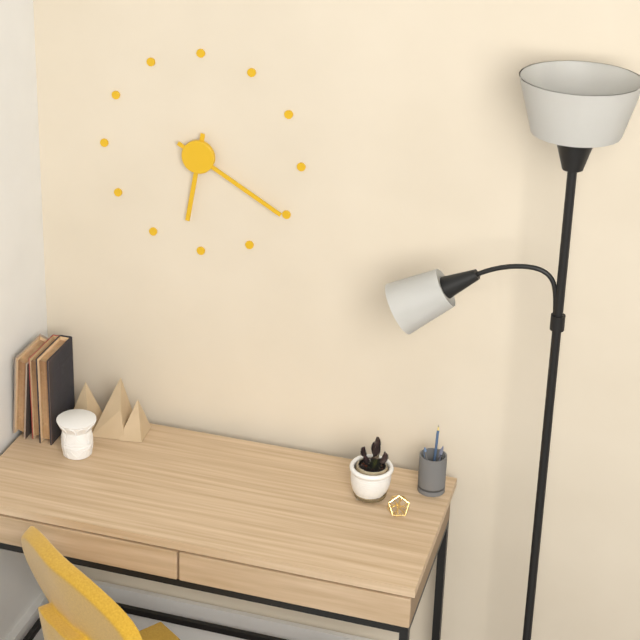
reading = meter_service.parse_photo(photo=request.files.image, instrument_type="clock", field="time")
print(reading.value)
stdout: 6:20
